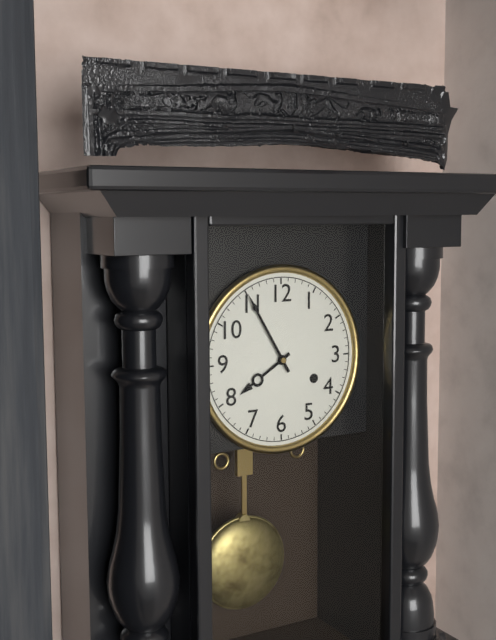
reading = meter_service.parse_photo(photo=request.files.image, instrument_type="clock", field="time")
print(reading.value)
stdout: 7:55
